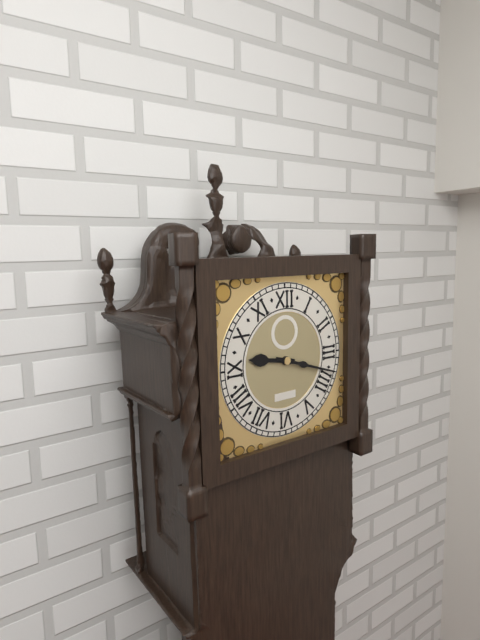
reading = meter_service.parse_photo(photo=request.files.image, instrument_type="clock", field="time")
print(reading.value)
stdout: 9:18
